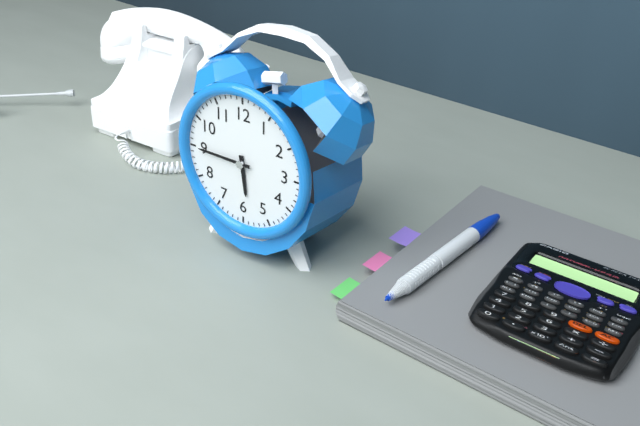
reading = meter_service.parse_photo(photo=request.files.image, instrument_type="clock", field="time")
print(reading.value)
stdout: 5:45
